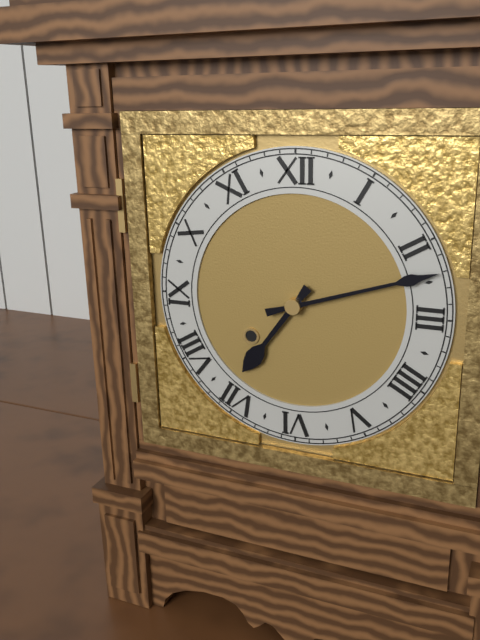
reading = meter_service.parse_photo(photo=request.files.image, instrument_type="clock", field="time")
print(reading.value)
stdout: 7:12
